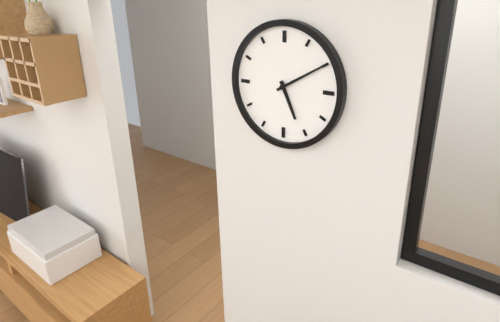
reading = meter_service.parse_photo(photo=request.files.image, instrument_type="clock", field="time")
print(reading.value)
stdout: 5:10
